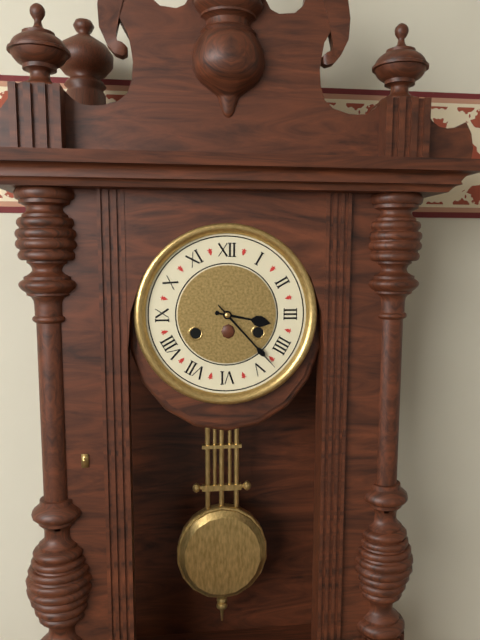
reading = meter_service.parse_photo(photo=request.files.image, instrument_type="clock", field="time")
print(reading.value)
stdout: 3:23
